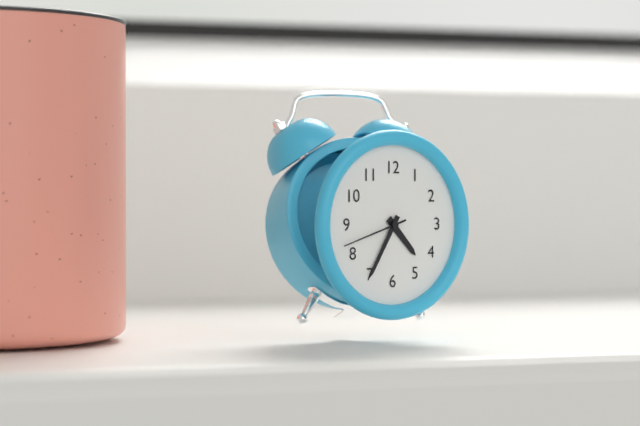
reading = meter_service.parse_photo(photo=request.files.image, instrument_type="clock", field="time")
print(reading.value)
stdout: 4:35:42
